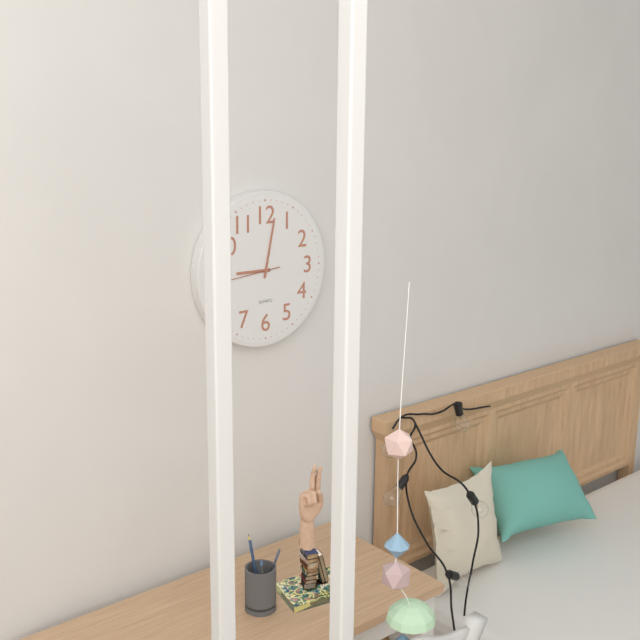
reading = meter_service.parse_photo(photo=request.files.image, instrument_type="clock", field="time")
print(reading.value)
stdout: 9:02:44
